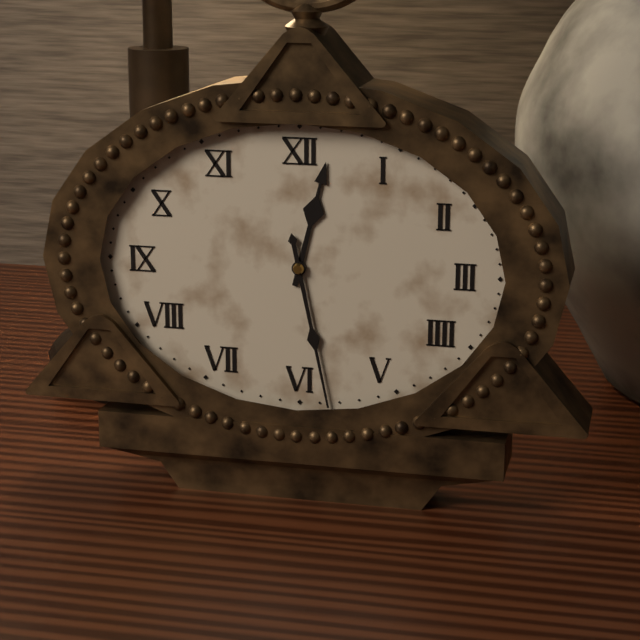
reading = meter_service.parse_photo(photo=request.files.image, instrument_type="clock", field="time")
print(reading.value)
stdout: 12:28
